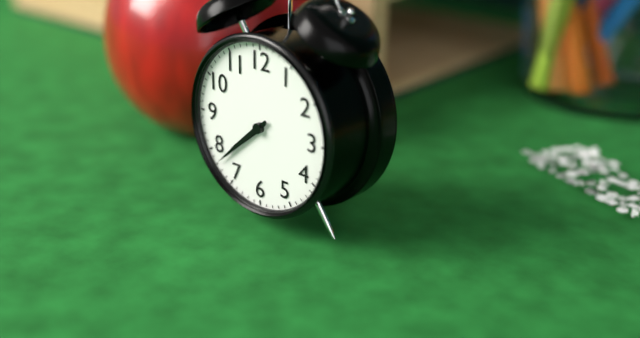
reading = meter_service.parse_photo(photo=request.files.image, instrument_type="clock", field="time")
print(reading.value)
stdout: 7:38
